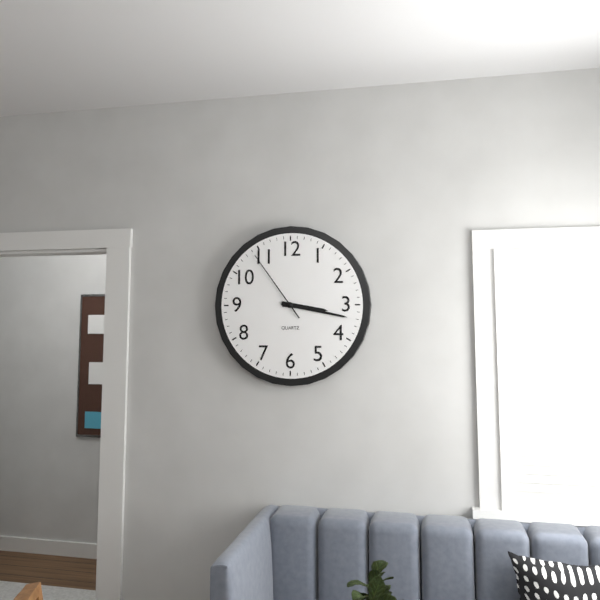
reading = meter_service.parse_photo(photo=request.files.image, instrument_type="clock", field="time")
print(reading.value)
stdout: 3:17:54
